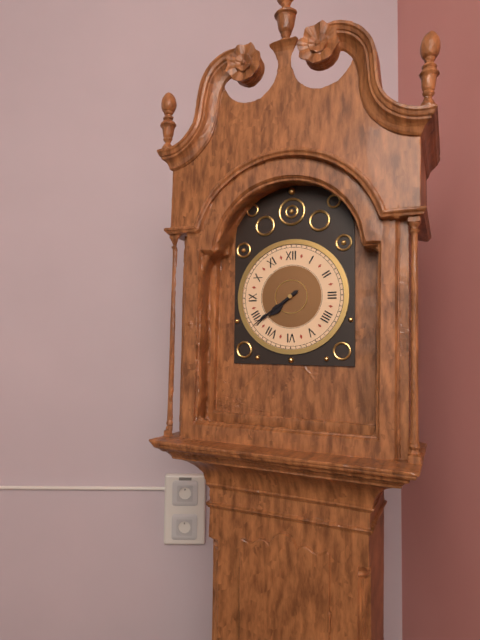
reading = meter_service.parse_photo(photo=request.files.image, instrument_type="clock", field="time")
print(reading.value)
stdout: 7:39
